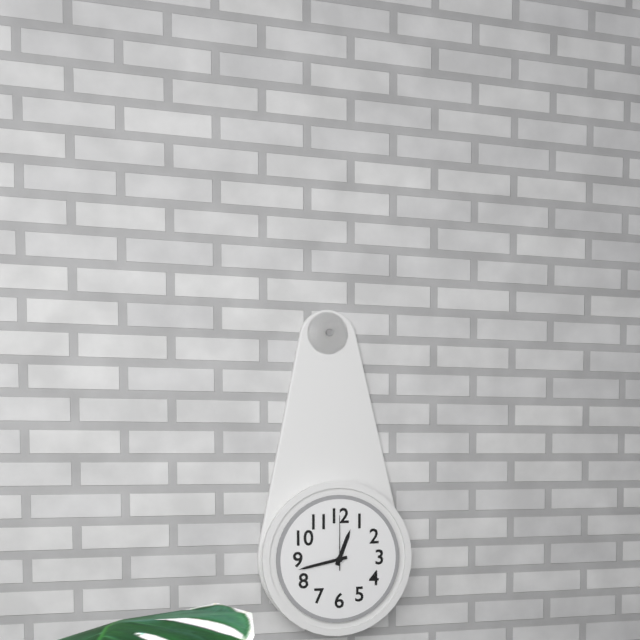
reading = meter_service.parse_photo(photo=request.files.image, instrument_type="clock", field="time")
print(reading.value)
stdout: 12:43:00
